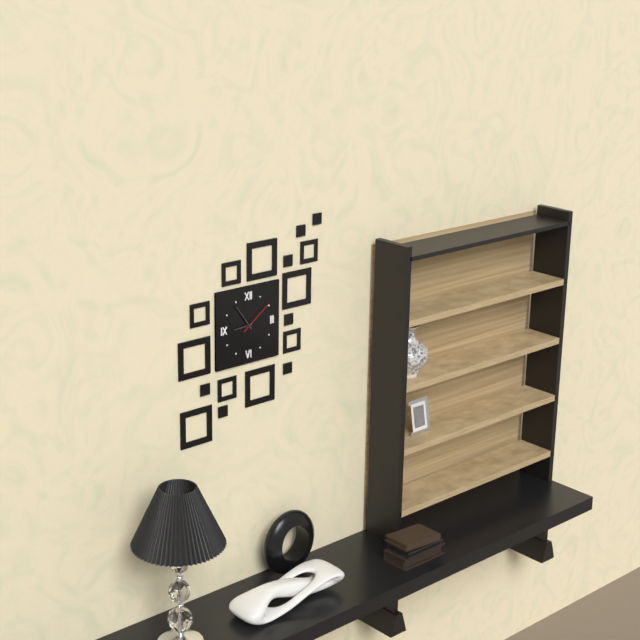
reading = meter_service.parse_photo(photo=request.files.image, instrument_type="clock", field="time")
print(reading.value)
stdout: 8:54
